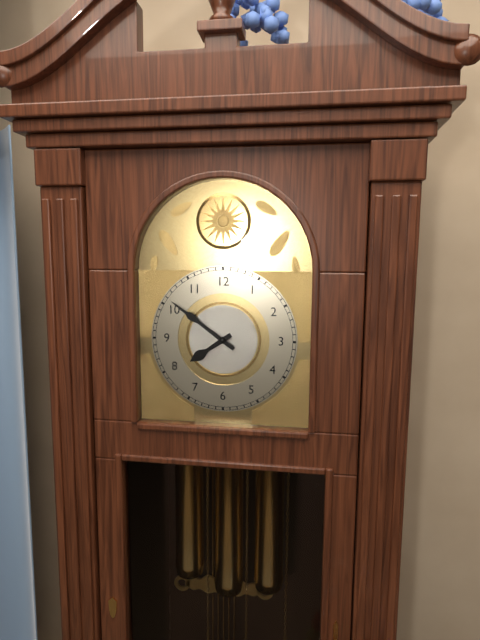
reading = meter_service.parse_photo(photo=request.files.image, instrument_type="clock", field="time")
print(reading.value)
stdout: 7:51
